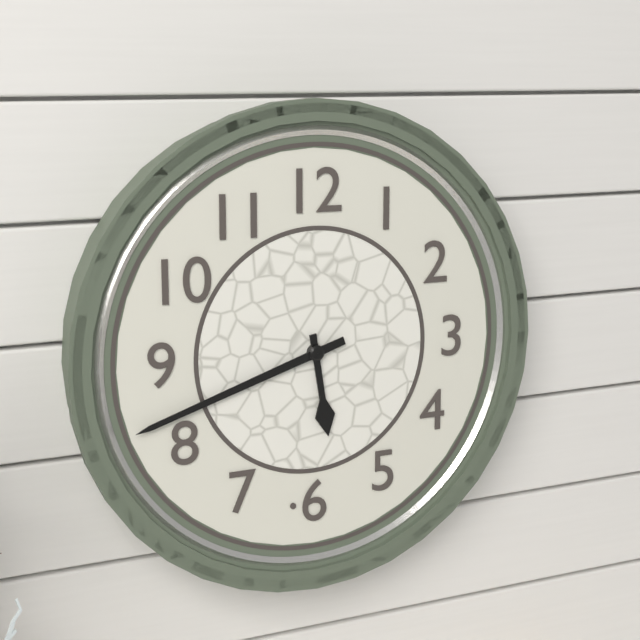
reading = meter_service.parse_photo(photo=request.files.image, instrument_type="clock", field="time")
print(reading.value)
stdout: 5:42
